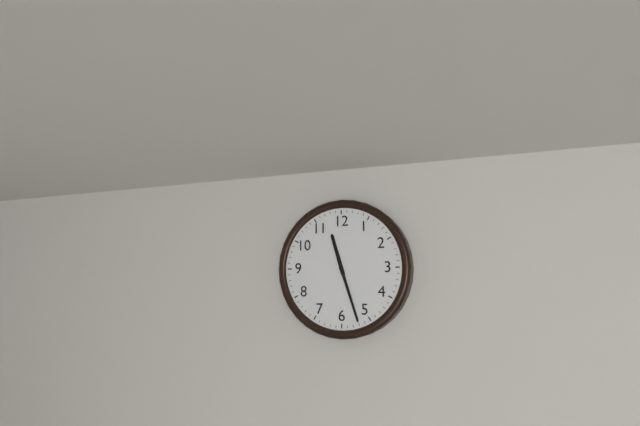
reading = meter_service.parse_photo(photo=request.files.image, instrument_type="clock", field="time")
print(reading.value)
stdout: 11:27
